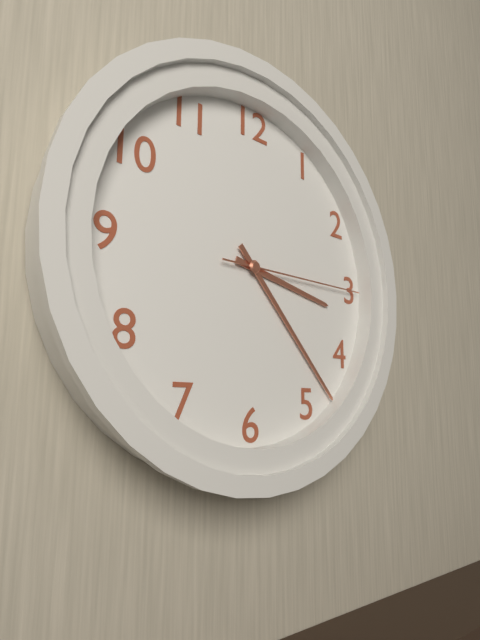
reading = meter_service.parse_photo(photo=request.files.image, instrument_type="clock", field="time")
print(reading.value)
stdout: 3:23:15
